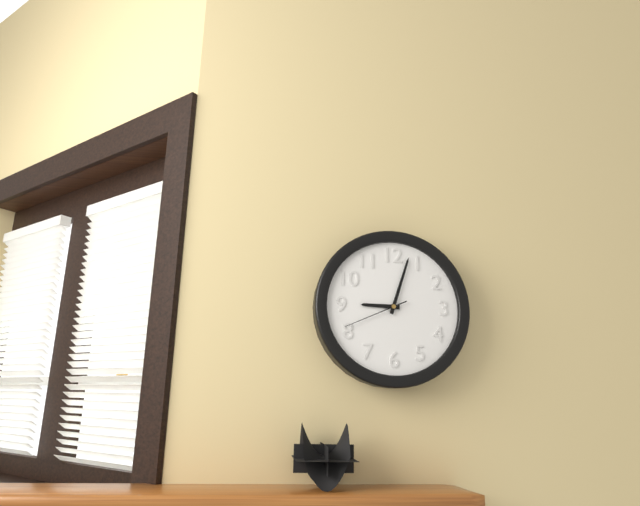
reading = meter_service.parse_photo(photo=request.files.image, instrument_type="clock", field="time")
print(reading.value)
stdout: 9:03:41
